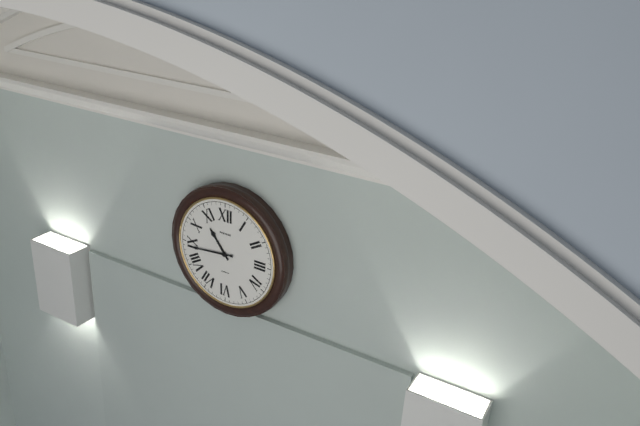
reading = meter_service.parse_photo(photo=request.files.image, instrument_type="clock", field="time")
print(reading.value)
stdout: 10:44
